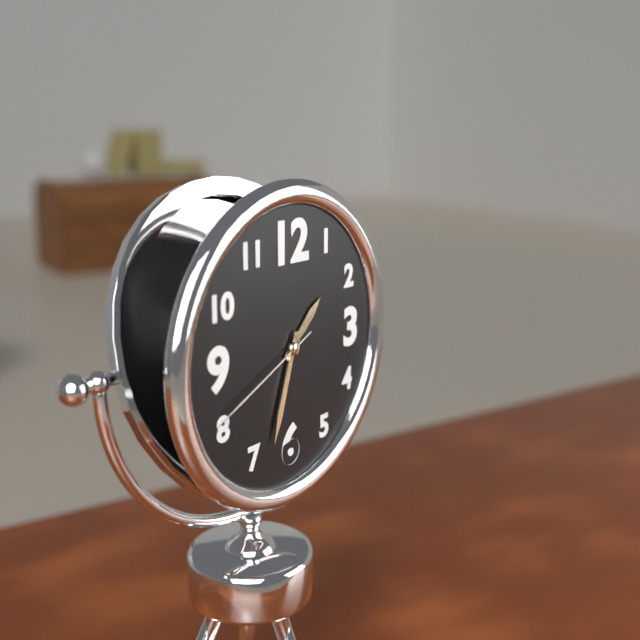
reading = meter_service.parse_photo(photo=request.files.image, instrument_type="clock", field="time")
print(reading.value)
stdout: 1:33:41
